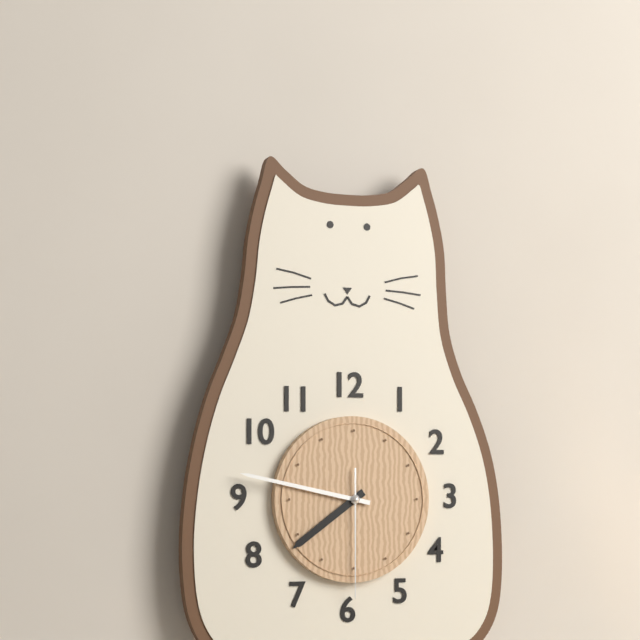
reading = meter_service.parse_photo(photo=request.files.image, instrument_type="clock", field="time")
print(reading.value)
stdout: 7:47:30
